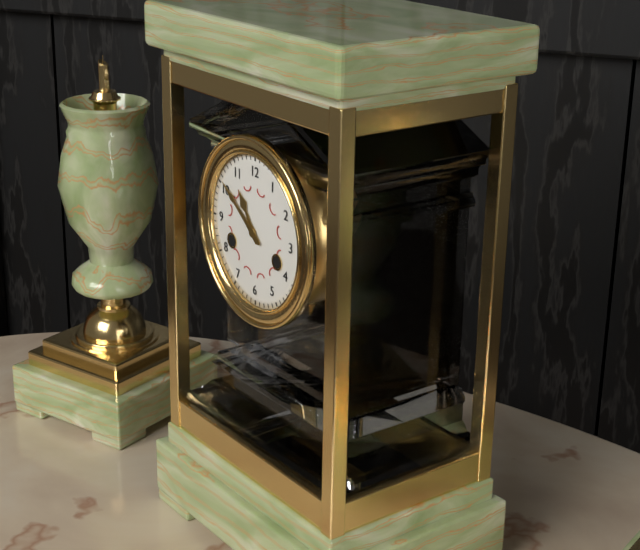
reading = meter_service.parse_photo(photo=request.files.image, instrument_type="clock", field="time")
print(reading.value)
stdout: 10:51
